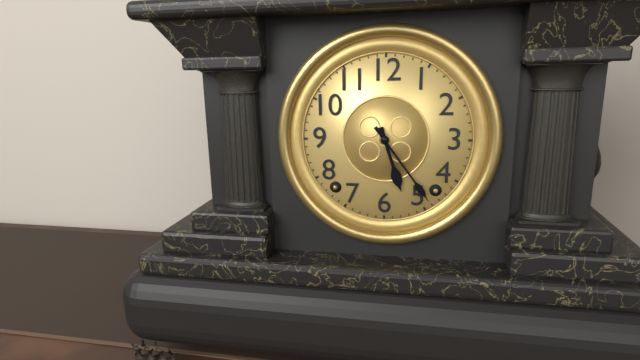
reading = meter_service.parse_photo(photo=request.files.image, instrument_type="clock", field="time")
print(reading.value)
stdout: 5:24
